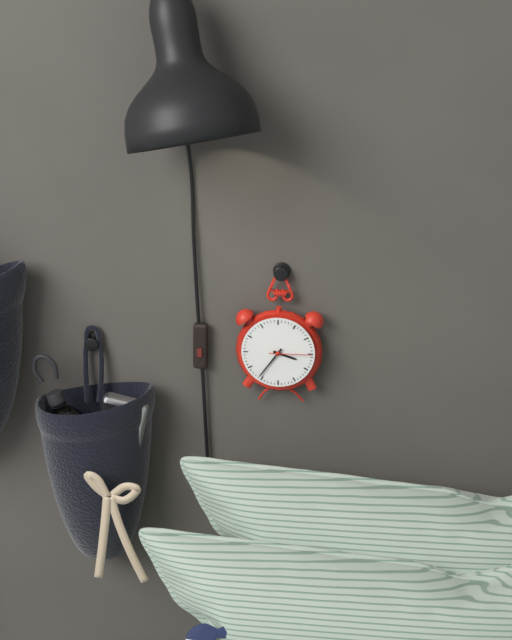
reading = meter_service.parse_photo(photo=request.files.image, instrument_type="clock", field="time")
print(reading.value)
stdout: 3:36
